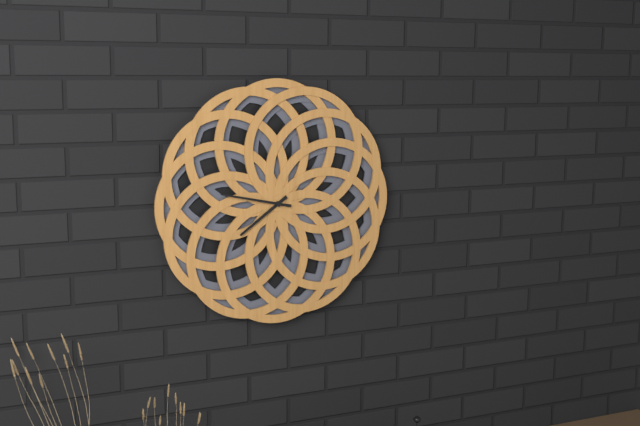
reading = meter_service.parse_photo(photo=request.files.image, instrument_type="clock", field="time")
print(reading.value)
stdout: 7:47
